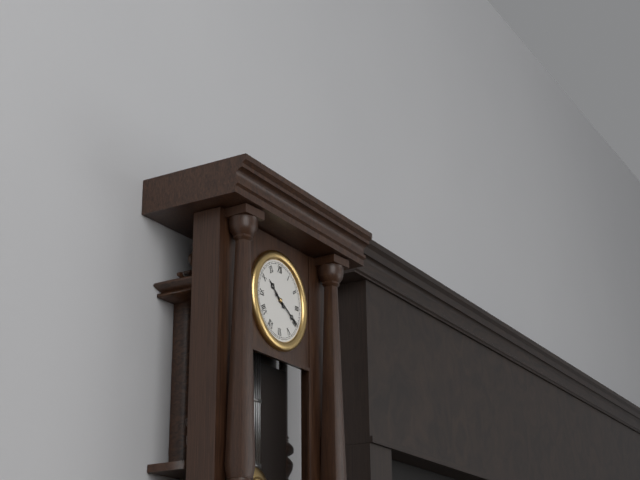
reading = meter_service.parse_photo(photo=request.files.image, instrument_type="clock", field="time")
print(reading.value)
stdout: 10:20
